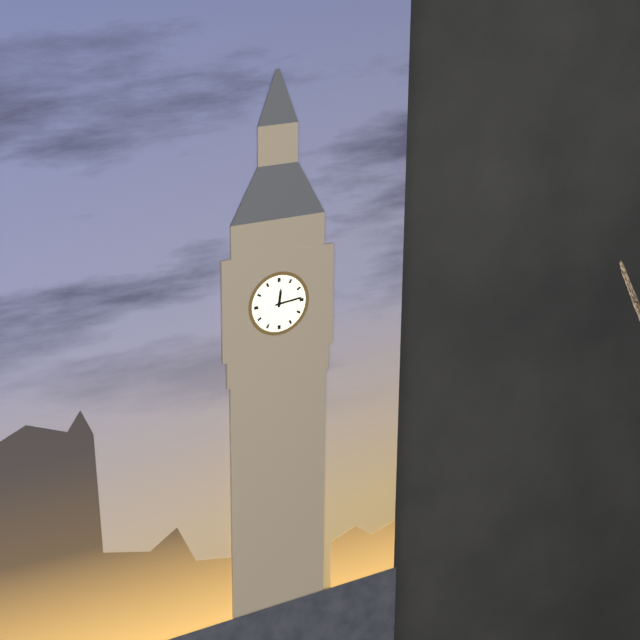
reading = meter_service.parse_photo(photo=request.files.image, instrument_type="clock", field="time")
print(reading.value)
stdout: 12:14
